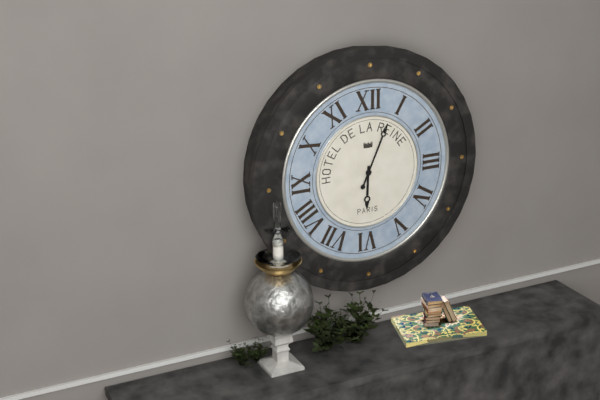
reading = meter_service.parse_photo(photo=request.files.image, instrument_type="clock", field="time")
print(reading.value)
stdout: 6:04
